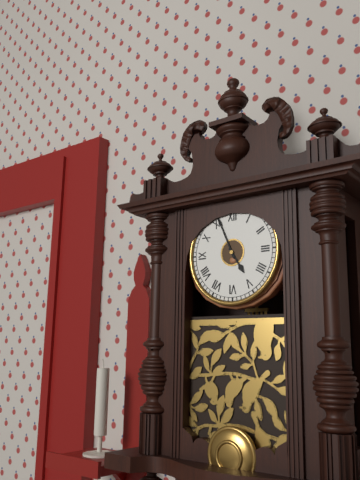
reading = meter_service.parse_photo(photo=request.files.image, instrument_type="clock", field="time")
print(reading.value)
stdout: 4:56
